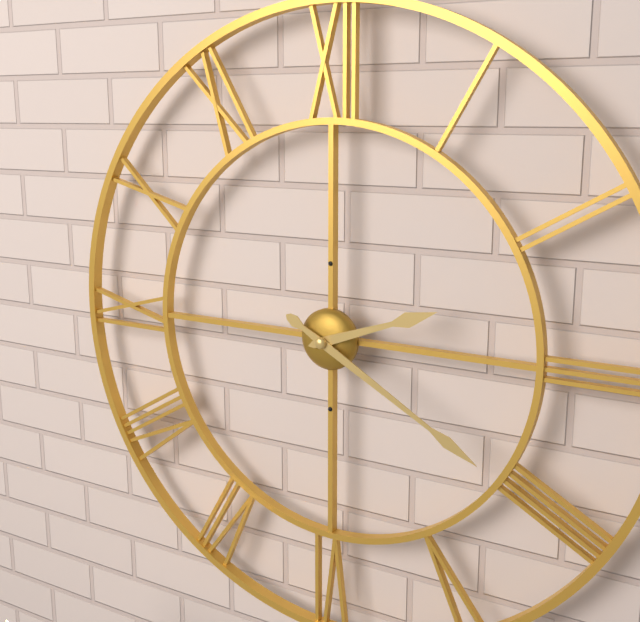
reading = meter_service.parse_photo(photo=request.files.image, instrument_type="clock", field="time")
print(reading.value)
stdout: 2:20
